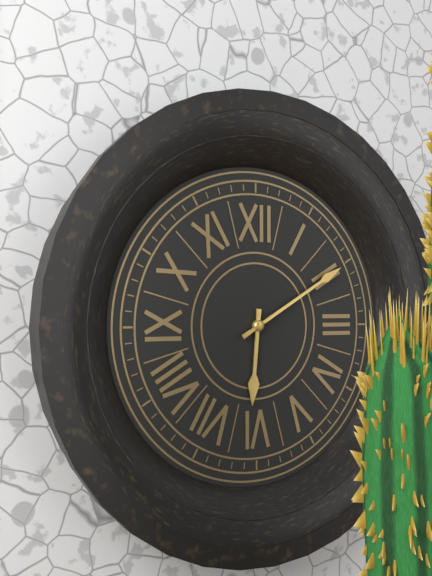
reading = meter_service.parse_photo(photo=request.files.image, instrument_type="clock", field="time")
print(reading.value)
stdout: 6:10
